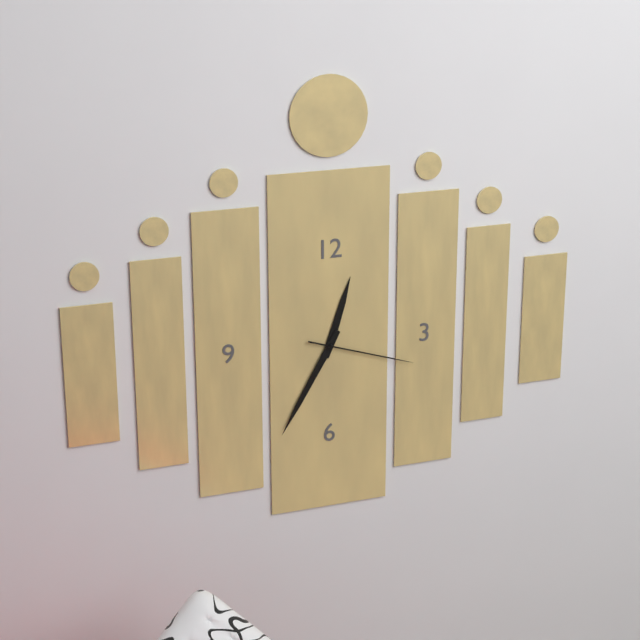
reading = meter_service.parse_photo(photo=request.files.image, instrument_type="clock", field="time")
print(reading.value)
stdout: 12:35:18
